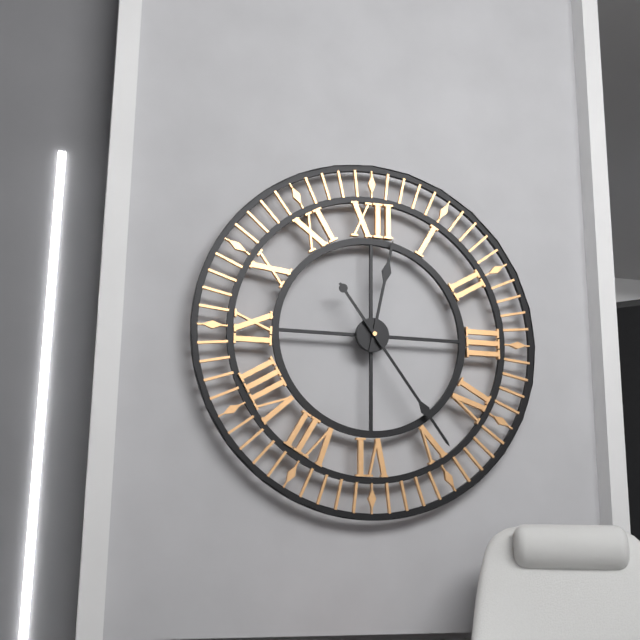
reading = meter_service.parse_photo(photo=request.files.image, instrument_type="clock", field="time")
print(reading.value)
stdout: 12:24
